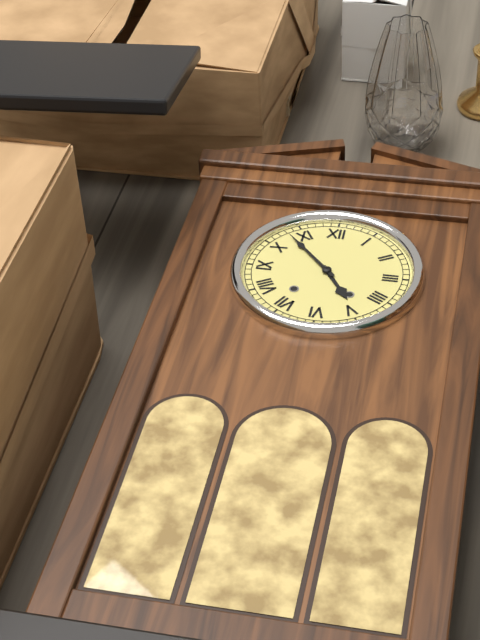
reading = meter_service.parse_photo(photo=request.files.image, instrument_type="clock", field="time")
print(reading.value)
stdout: 4:53
